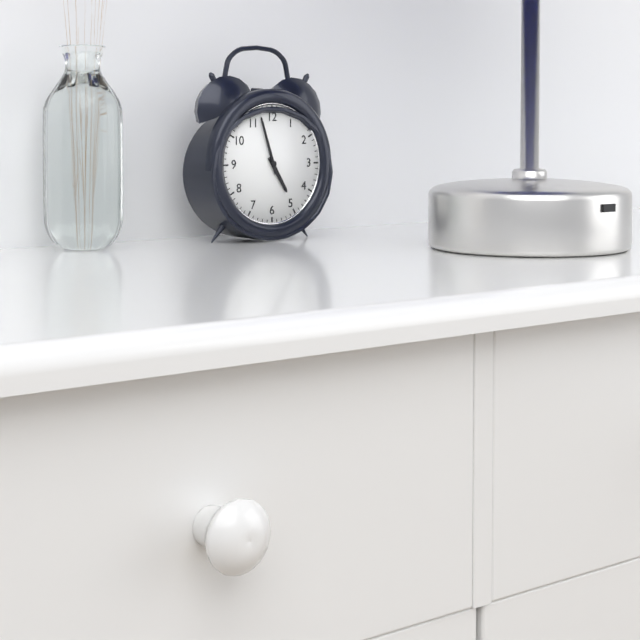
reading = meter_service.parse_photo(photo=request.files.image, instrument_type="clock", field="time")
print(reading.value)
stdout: 4:57
